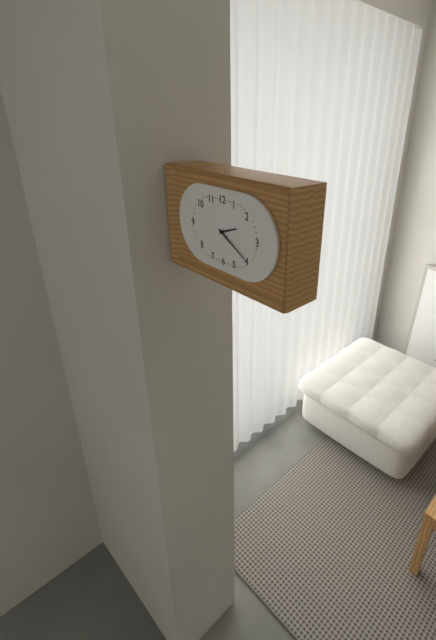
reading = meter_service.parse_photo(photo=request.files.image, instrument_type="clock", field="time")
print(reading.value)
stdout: 2:20
